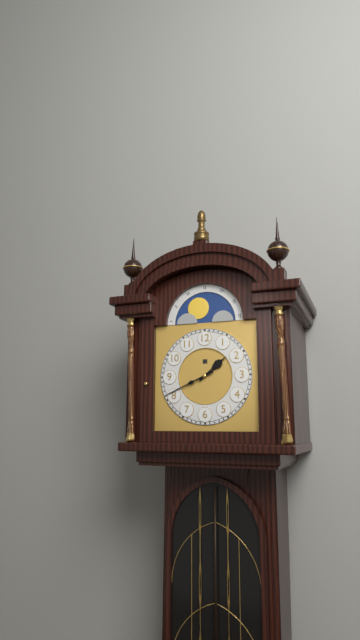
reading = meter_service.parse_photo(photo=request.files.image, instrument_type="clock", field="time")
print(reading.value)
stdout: 1:41
